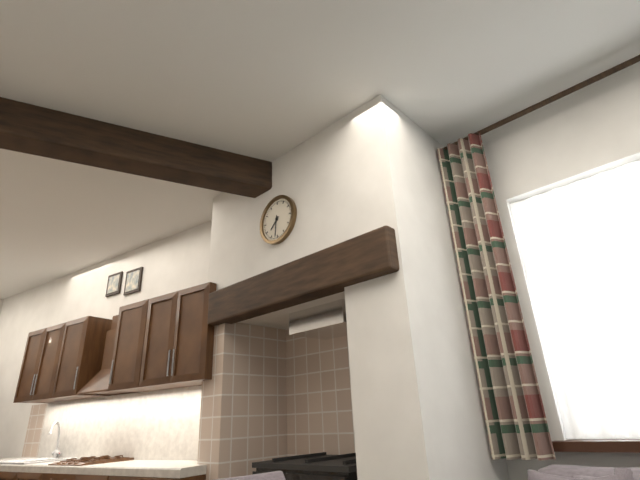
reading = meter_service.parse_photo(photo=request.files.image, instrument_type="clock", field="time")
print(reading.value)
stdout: 7:31
